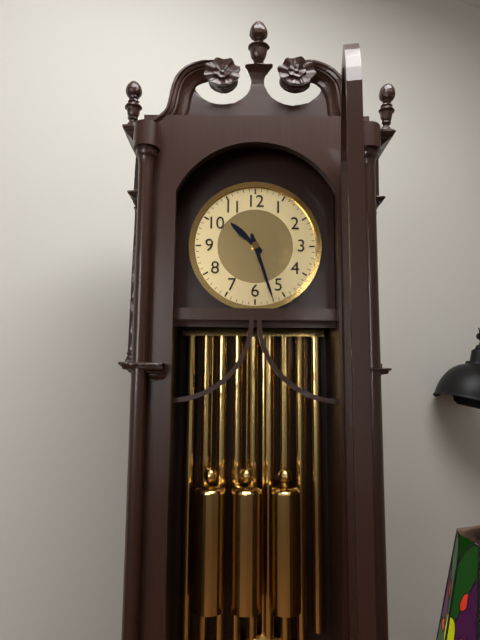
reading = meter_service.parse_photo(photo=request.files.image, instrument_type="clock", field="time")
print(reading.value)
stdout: 10:27
